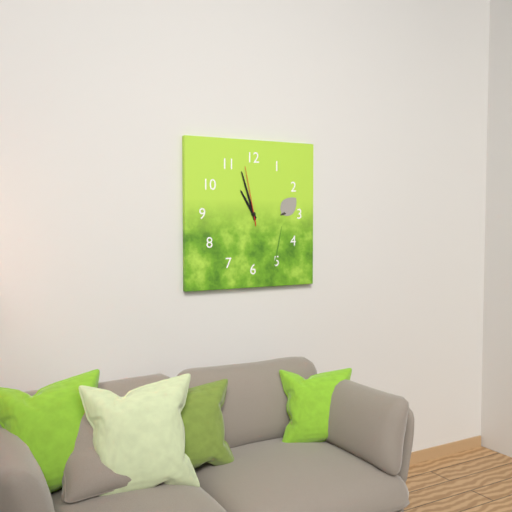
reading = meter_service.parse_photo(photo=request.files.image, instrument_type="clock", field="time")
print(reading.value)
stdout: 10:57:58
